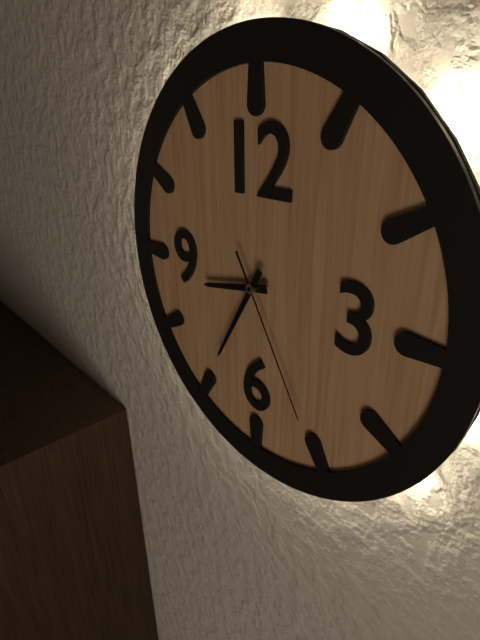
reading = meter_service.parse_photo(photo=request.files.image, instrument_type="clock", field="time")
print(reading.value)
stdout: 8:35:25
